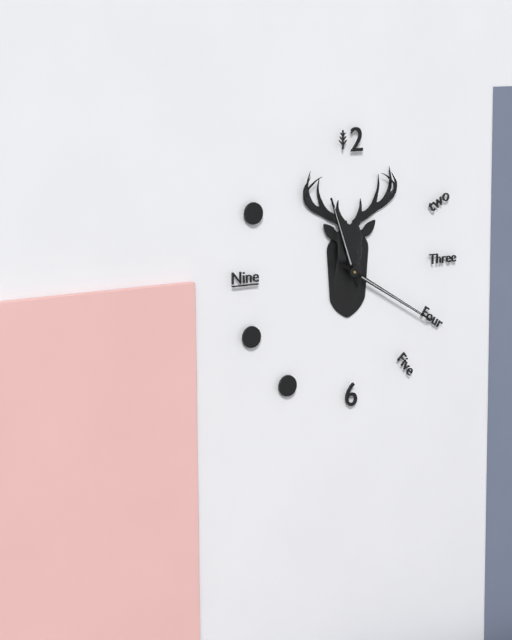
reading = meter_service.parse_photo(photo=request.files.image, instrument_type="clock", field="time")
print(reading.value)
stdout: 11:20
